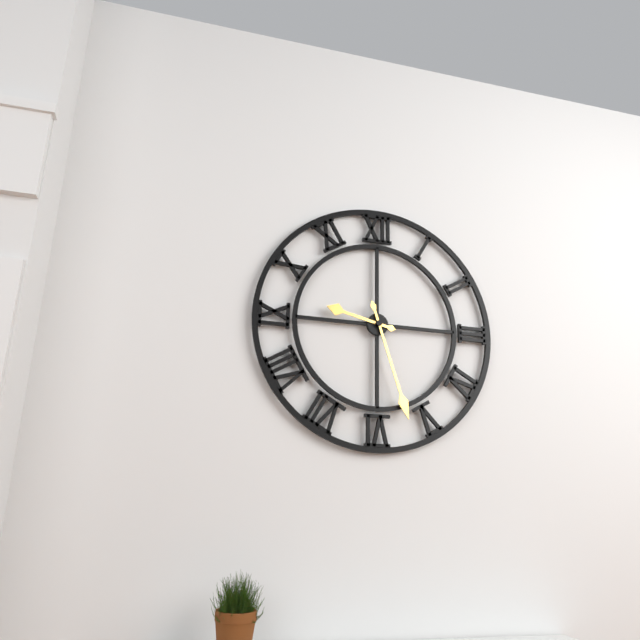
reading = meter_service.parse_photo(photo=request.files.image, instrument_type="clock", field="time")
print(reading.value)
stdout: 9:27
